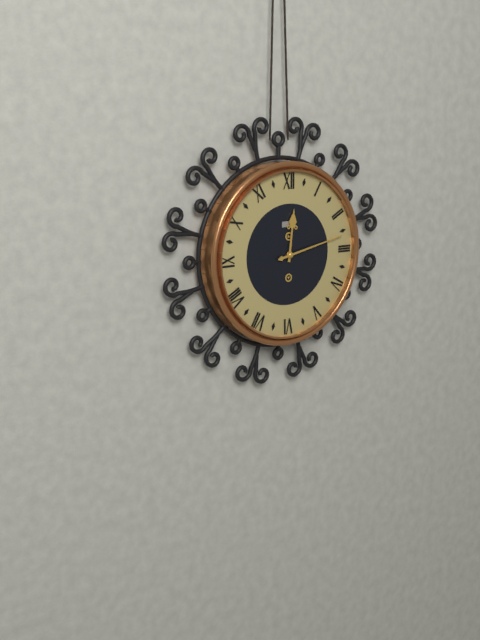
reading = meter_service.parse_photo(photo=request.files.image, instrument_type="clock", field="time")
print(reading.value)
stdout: 12:13
